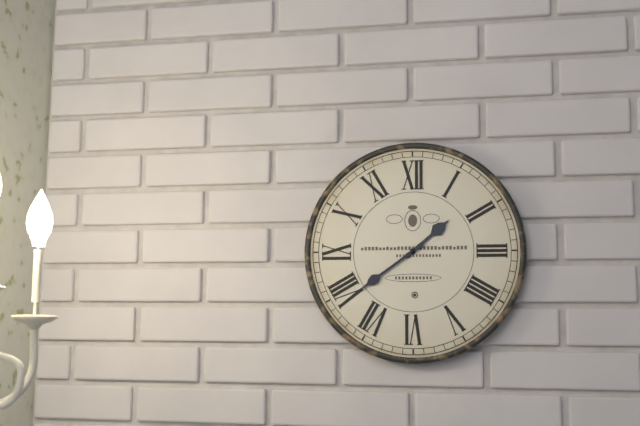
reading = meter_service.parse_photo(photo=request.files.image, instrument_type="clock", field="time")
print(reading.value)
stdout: 1:39
